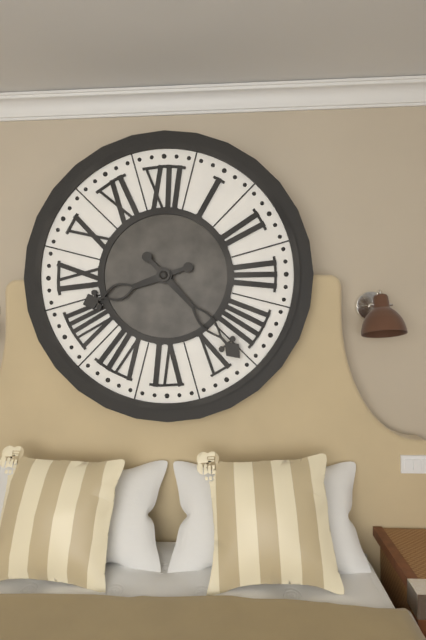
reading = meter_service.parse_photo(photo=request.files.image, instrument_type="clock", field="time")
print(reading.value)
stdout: 8:23
